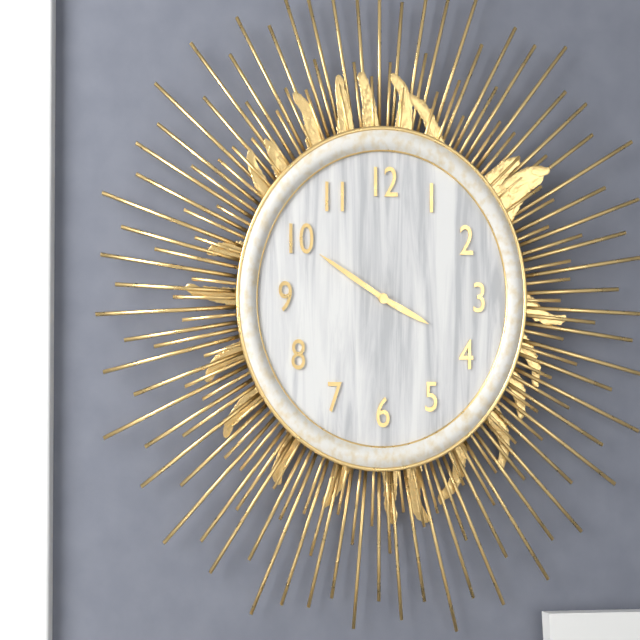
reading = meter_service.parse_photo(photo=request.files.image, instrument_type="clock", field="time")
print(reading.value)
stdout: 3:50
